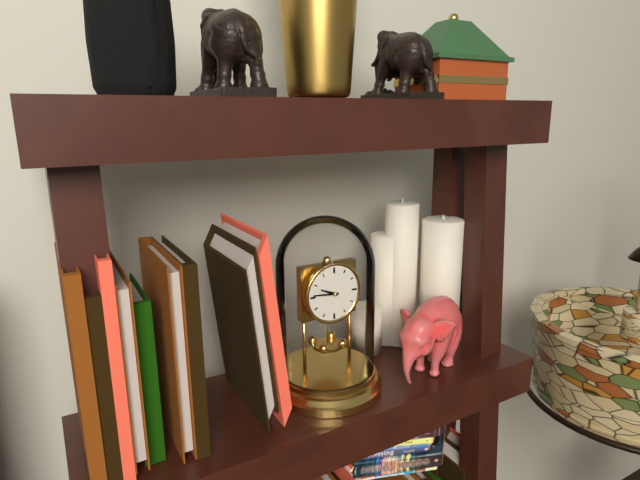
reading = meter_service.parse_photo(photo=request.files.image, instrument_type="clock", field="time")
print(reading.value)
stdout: 9:46
